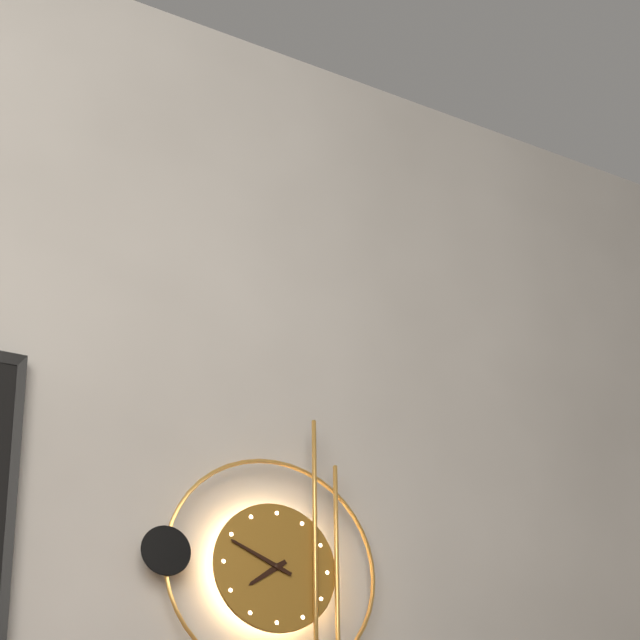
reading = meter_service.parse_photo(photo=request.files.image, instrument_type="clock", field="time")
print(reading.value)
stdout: 7:49
